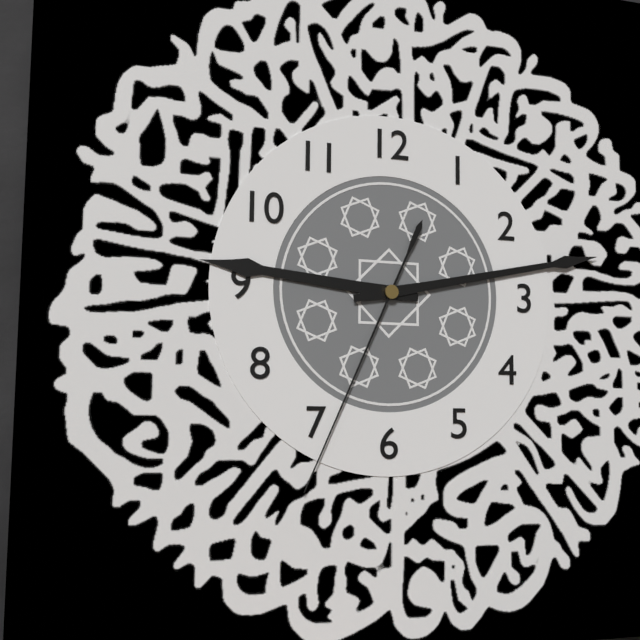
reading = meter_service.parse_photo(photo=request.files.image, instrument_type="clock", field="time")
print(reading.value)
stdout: 9:13:34
